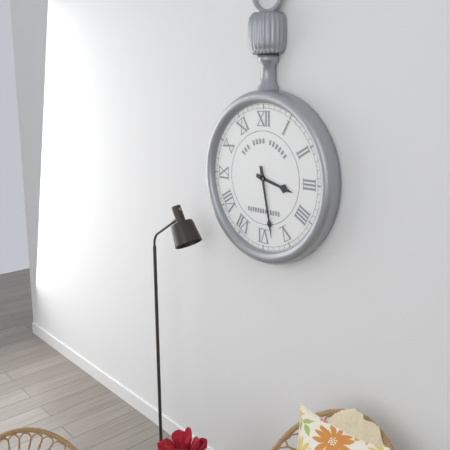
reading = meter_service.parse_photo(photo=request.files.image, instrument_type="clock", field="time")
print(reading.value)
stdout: 3:28
